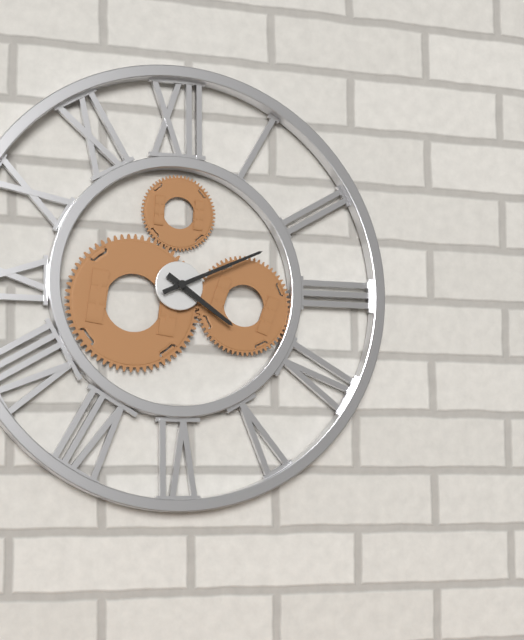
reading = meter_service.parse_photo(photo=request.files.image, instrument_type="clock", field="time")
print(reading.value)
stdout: 4:11
